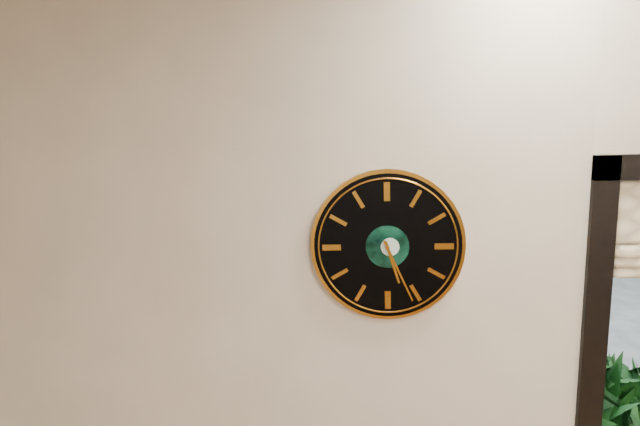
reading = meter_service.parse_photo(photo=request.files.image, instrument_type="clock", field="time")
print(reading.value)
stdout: 5:26
